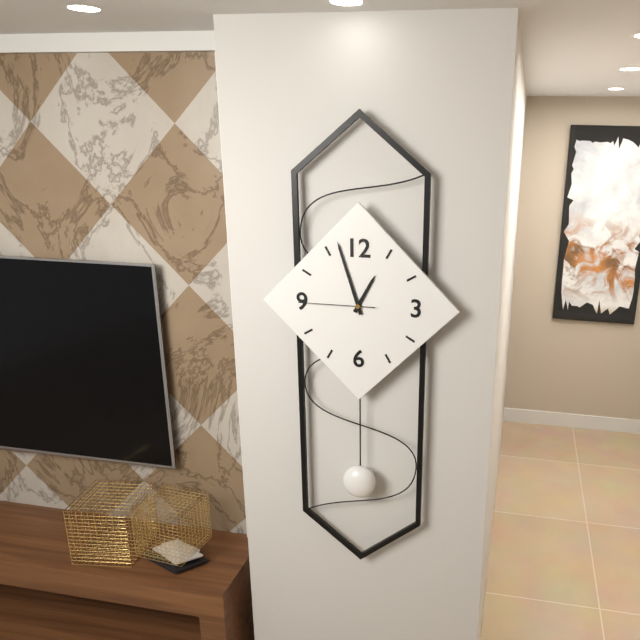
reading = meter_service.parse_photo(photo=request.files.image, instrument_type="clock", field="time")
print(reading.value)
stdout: 12:57:45
